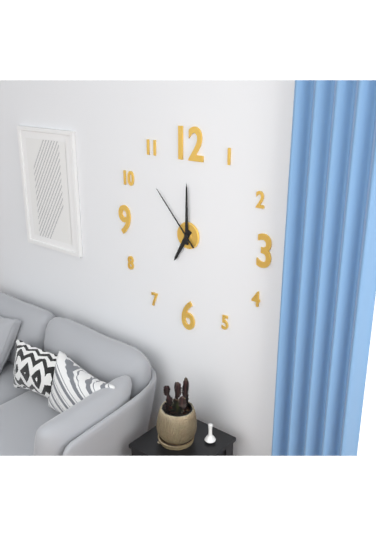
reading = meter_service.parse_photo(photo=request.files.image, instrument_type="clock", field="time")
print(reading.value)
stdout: 7:00:53
